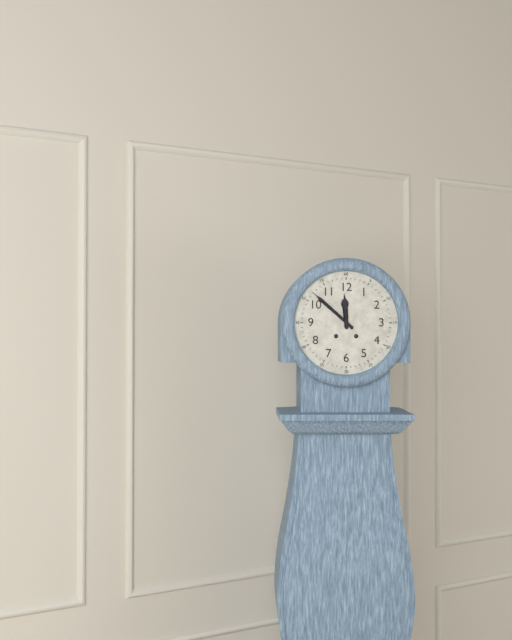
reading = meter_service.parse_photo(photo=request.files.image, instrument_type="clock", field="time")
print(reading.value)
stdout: 11:52
